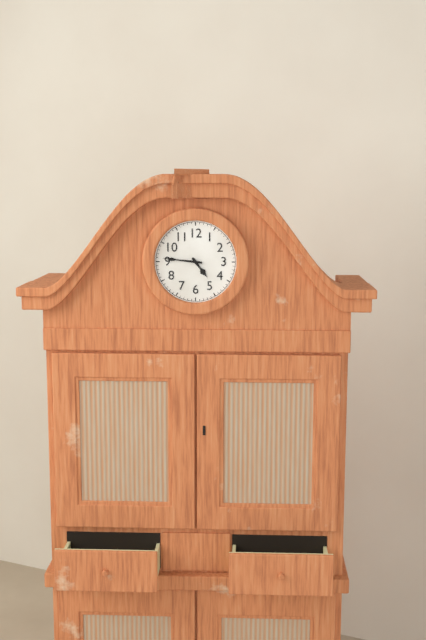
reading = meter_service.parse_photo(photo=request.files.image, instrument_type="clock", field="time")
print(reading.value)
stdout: 4:46
